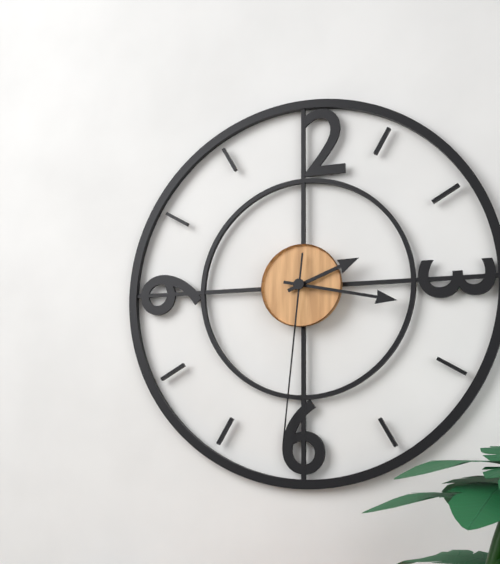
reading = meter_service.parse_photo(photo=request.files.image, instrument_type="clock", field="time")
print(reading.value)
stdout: 2:17:31
